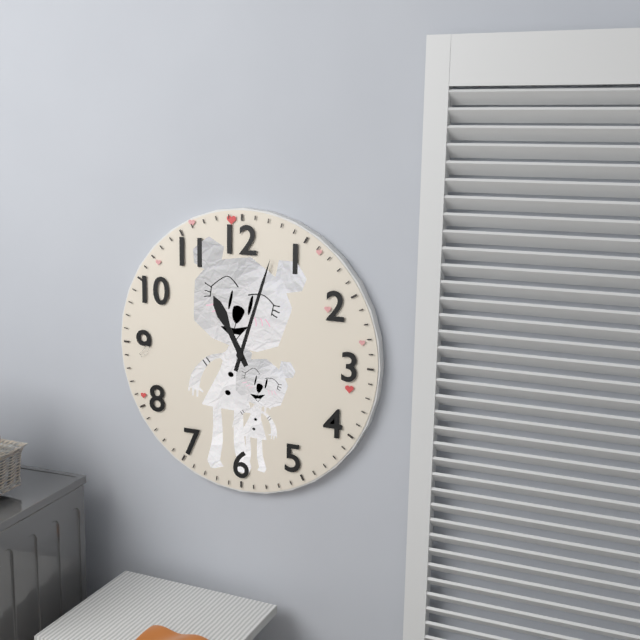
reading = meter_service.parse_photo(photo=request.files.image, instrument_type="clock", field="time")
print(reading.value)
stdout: 11:03
